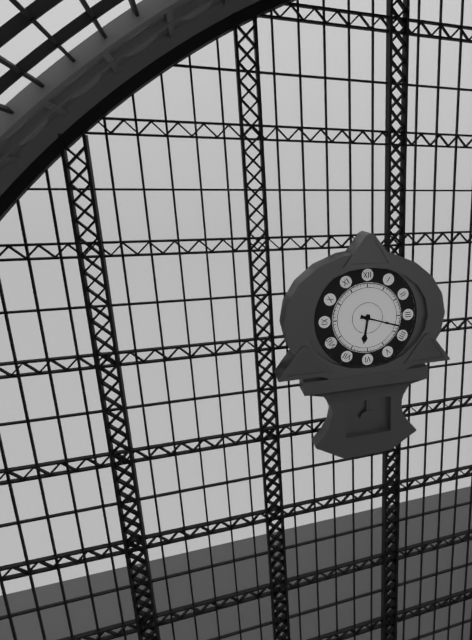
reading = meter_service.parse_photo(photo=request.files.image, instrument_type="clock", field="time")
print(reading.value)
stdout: 6:18
